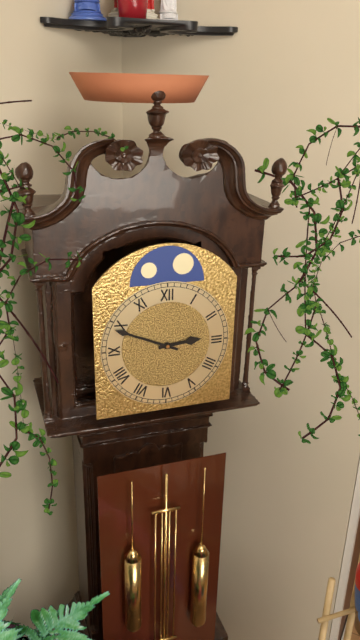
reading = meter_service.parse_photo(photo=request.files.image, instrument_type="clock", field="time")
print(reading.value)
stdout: 2:49
